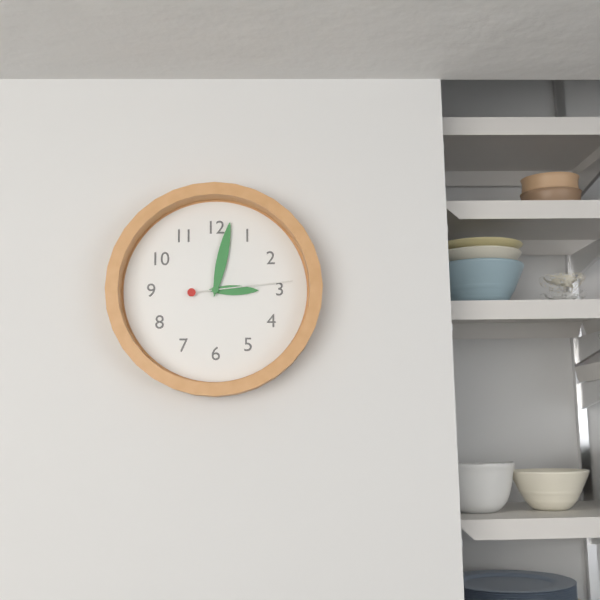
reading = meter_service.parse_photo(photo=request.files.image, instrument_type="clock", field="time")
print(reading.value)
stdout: 3:02:14
